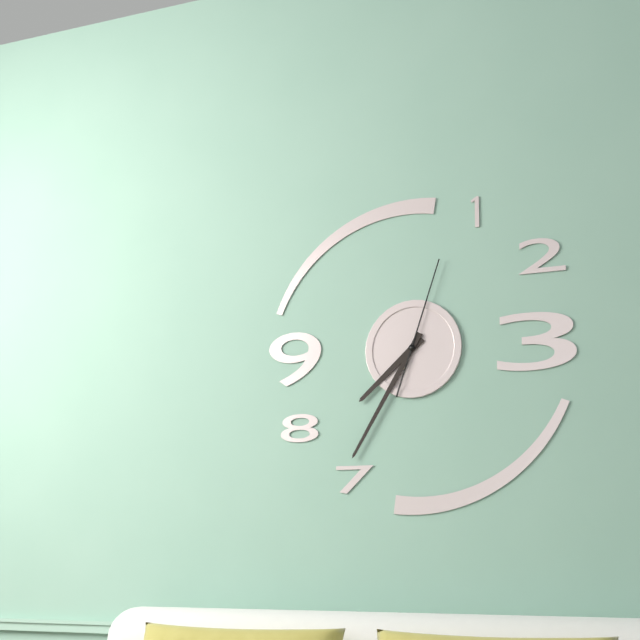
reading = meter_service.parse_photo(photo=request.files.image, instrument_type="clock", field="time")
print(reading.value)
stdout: 7:35:03
